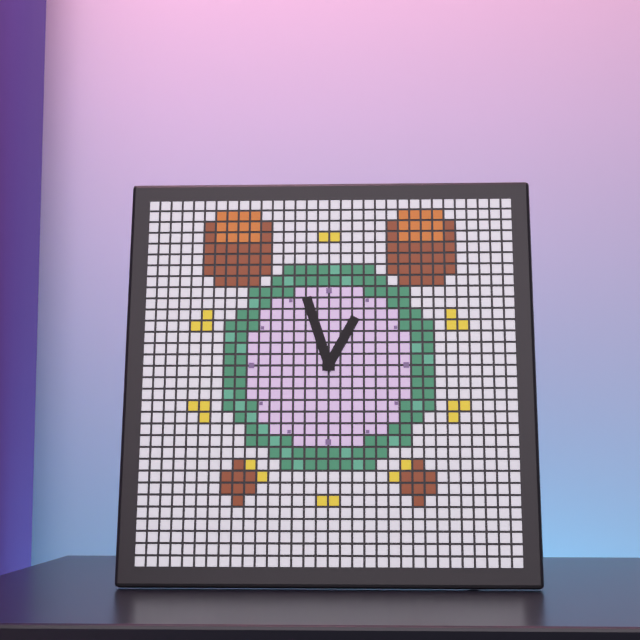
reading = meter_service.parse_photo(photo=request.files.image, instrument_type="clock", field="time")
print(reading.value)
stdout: 12:57
